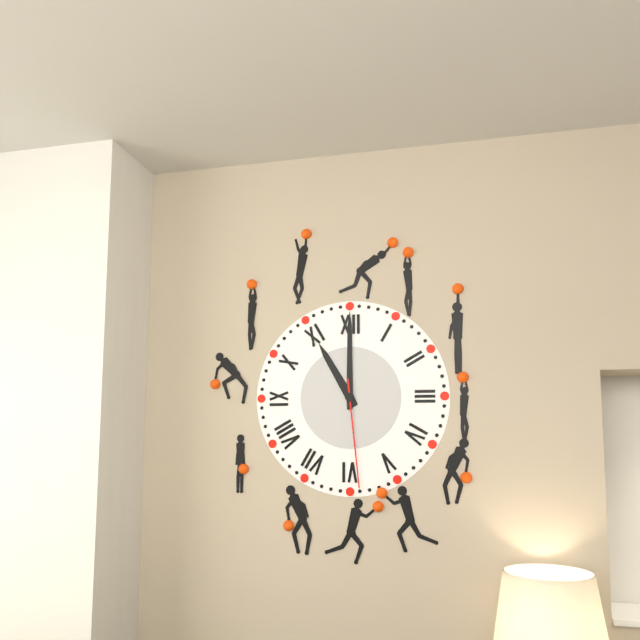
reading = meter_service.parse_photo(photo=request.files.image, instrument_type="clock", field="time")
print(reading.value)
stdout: 11:00:29
